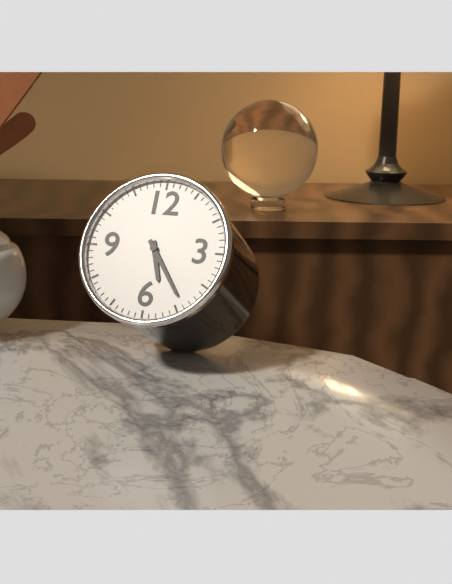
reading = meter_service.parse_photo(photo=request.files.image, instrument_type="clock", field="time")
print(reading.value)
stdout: 5:24
